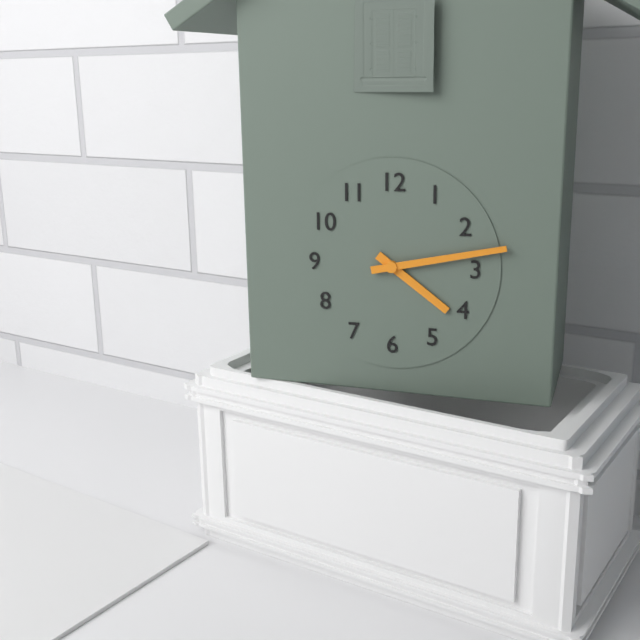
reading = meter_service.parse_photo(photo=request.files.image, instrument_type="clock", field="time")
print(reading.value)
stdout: 4:13
